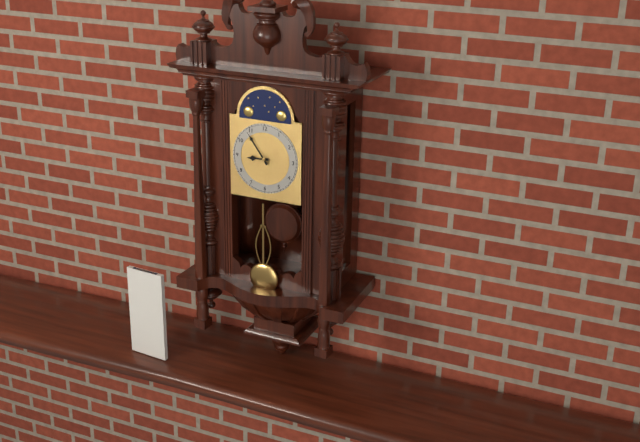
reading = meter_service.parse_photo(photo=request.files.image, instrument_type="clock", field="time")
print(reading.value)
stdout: 8:54
